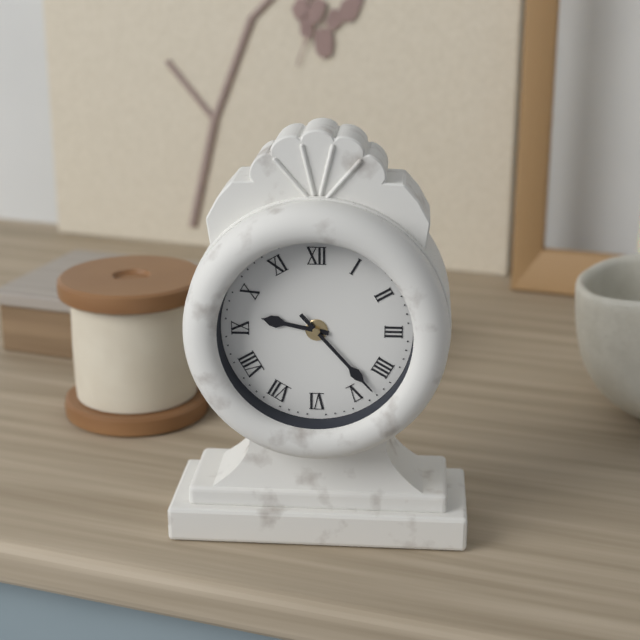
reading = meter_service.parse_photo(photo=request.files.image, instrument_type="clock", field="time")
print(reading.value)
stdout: 9:23
